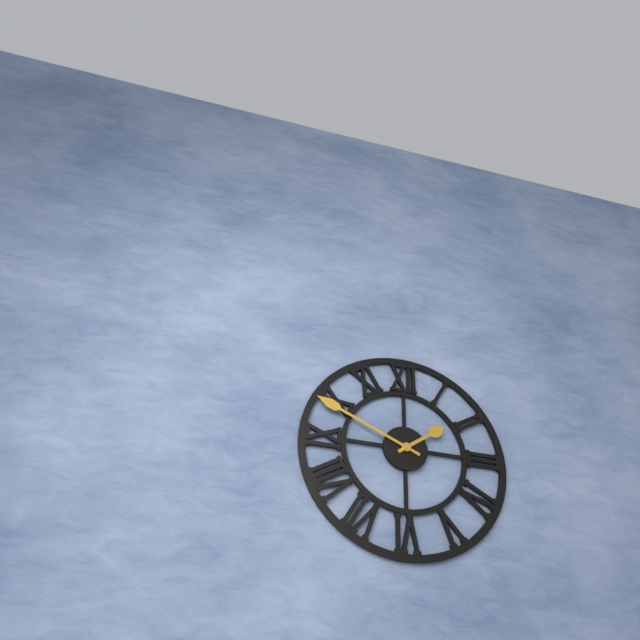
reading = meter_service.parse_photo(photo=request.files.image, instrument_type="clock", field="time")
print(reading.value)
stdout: 1:49
